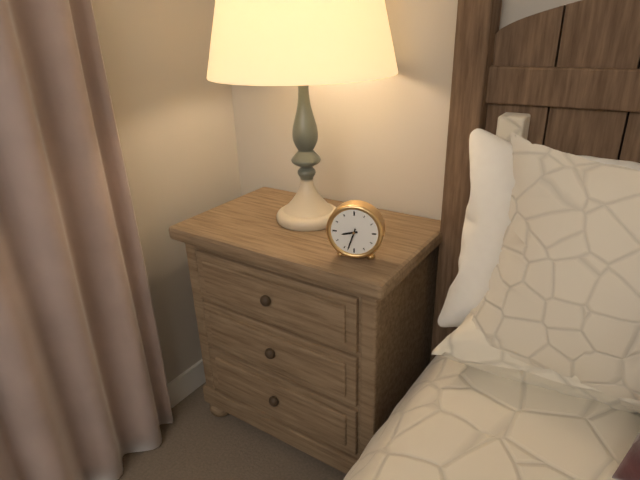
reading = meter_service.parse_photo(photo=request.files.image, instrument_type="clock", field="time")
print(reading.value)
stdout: 8:33
